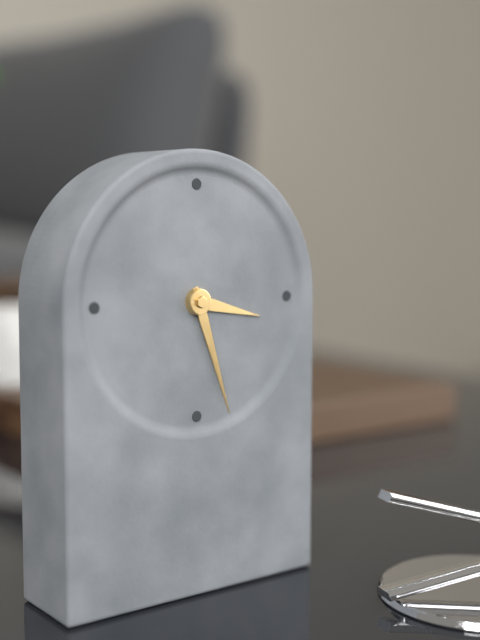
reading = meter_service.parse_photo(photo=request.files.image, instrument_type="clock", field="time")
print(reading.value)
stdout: 3:27
